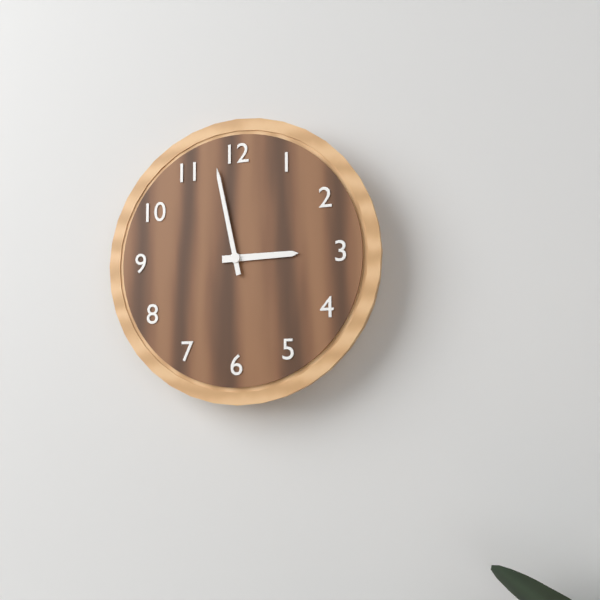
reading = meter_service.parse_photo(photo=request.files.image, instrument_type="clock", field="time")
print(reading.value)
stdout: 2:58
